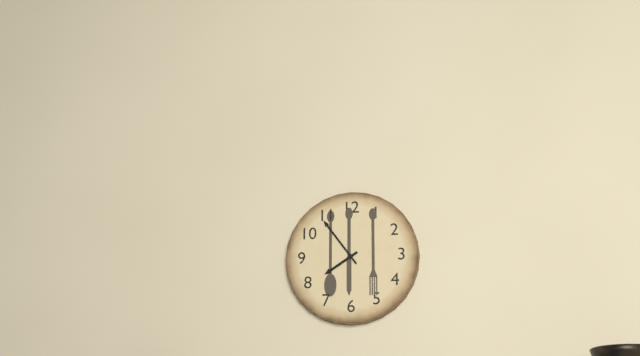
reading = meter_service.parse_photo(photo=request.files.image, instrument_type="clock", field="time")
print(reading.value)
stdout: 7:54
